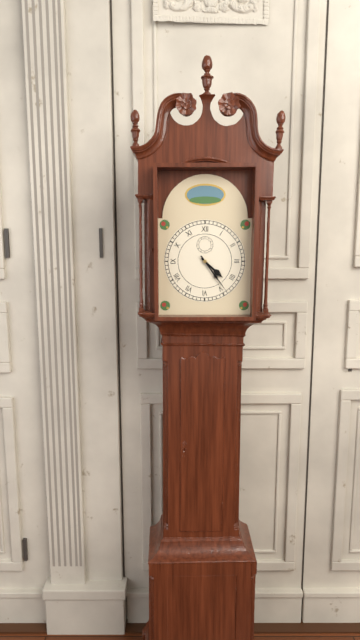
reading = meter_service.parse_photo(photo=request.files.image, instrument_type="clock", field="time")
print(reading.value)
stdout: 4:24
